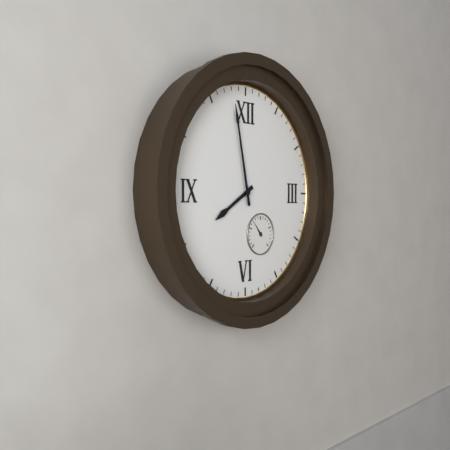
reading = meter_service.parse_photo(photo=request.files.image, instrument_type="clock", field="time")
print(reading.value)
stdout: 7:58
